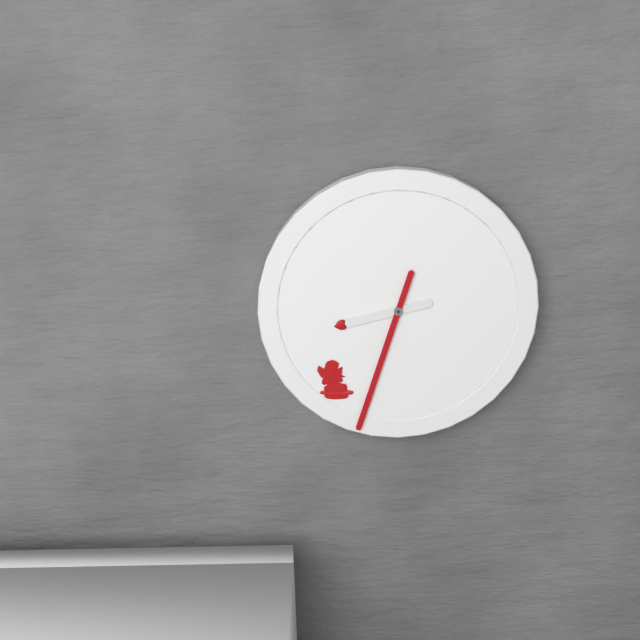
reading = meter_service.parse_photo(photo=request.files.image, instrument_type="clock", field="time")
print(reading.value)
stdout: 8:33
